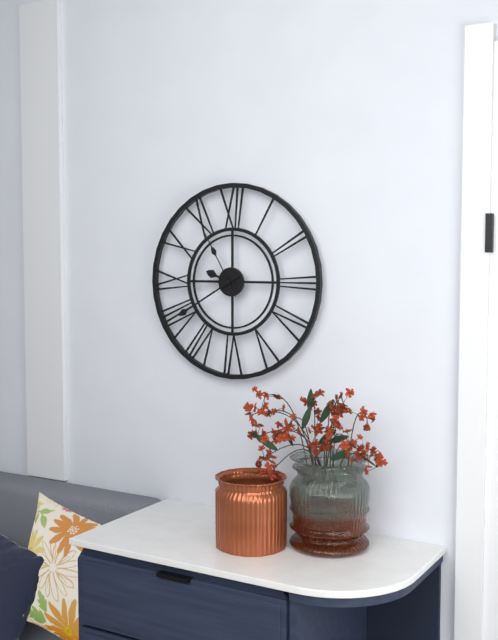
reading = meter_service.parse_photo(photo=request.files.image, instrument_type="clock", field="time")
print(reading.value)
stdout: 9:40:55
